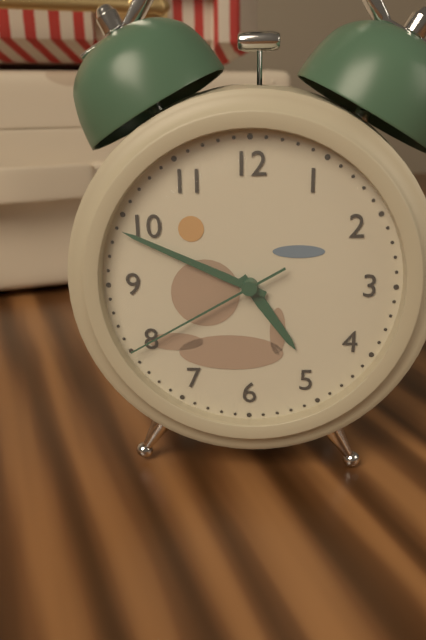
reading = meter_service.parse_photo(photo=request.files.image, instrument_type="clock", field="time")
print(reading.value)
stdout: 4:49:40
